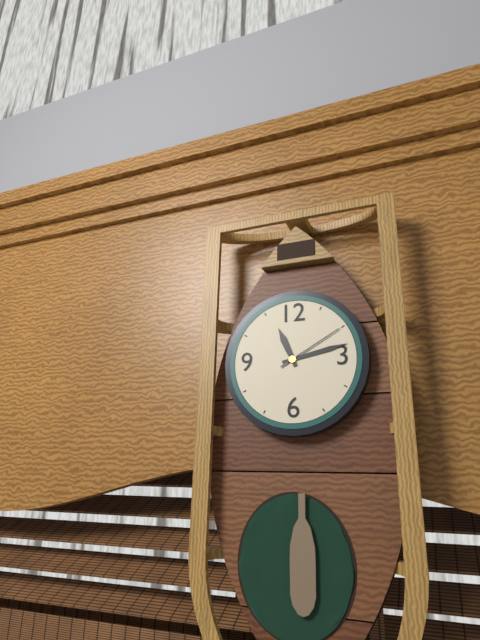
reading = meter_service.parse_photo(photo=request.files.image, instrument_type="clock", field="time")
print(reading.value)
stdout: 11:13:10
